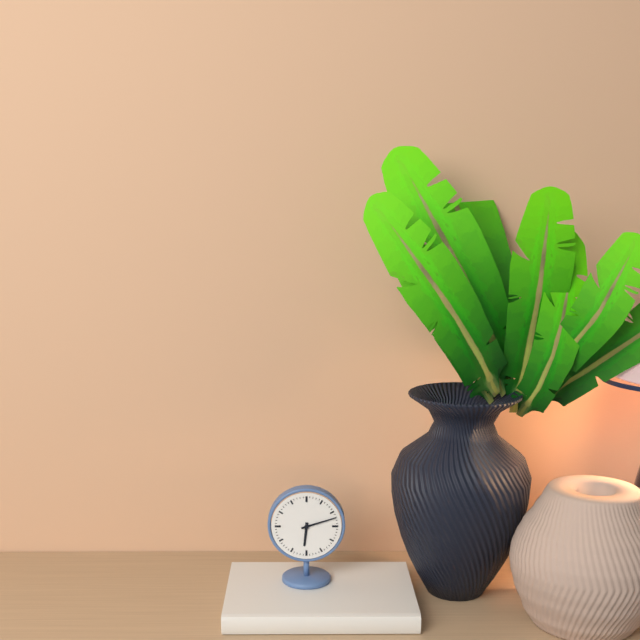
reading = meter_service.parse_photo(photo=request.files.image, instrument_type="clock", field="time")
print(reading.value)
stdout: 6:12
